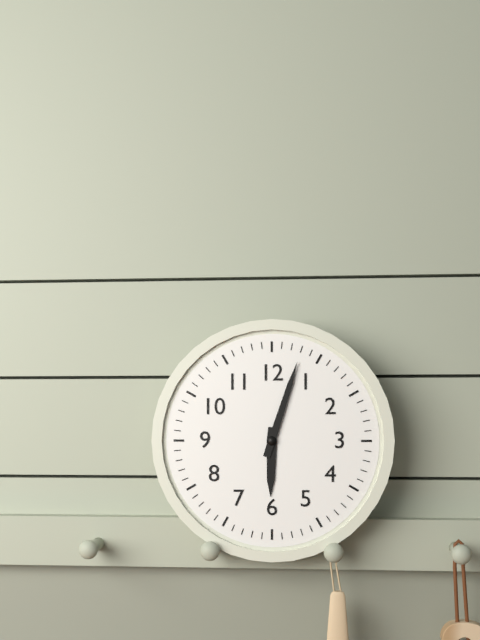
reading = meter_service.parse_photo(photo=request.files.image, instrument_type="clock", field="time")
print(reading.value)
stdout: 6:03
